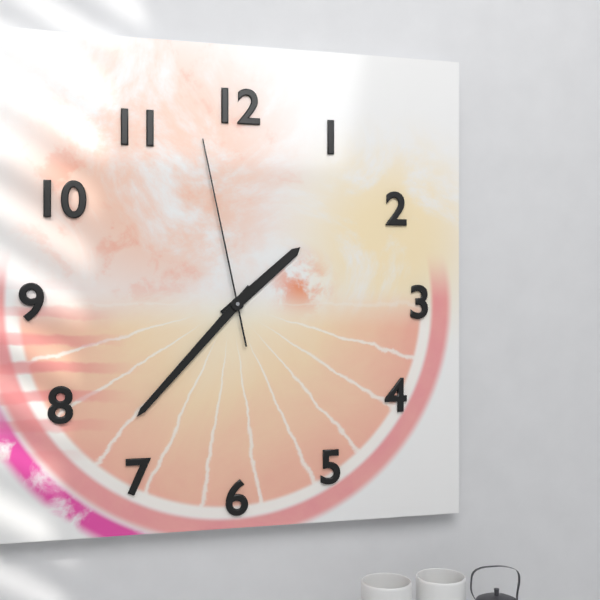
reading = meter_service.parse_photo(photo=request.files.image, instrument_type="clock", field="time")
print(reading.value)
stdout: 1:37:58
